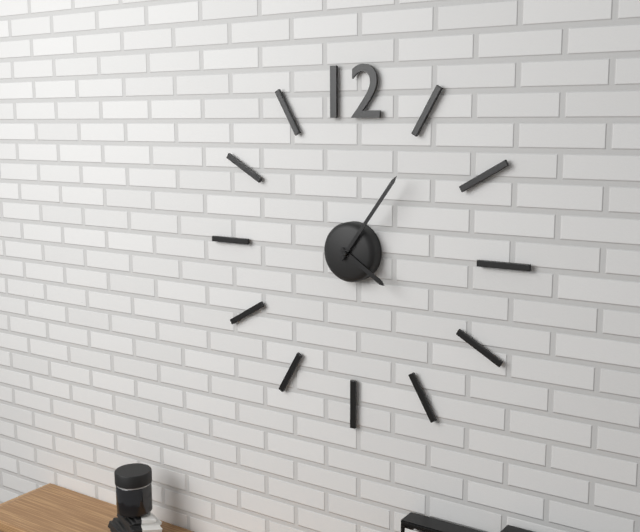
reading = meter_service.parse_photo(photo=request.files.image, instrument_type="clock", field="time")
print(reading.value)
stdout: 4:06
